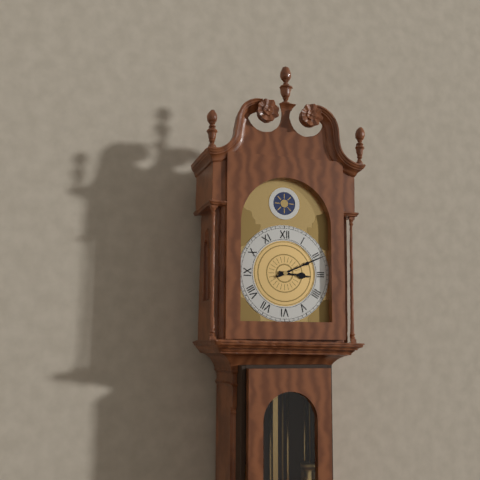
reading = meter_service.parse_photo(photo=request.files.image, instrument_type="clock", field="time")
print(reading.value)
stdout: 3:11
